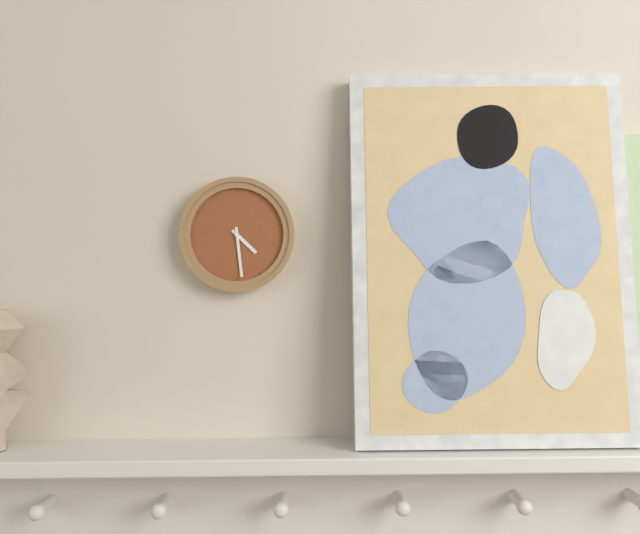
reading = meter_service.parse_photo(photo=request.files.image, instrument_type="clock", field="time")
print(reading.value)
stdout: 4:29
